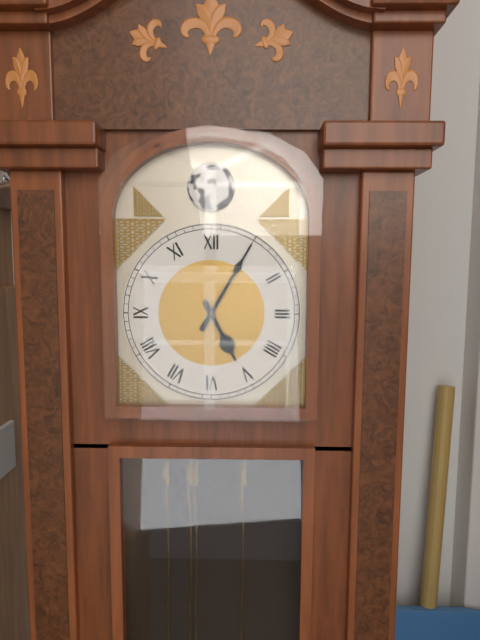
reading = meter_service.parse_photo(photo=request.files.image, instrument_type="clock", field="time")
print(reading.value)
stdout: 5:05
